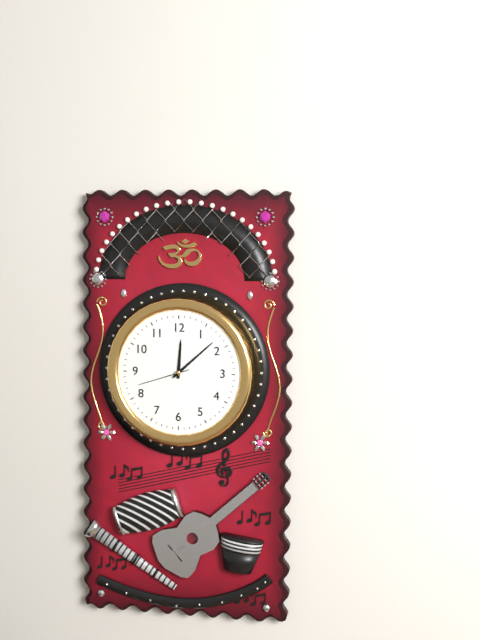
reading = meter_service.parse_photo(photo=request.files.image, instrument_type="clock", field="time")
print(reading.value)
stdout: 12:08:42
